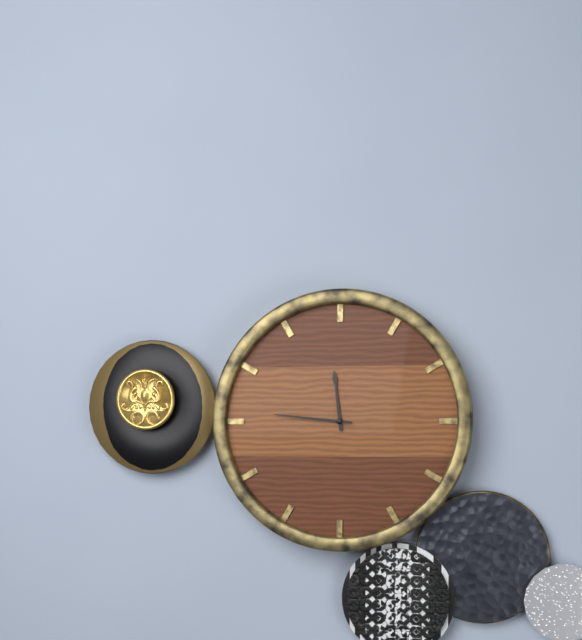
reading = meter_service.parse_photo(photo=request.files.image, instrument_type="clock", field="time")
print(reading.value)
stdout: 11:46
